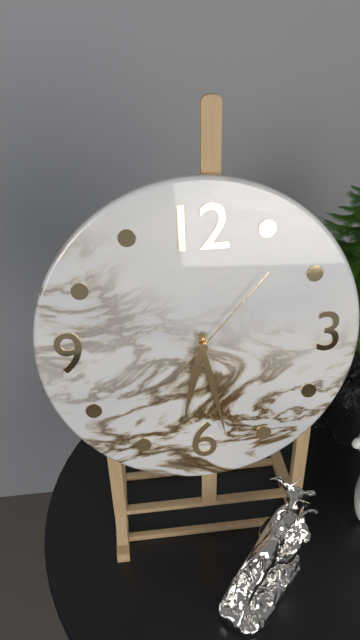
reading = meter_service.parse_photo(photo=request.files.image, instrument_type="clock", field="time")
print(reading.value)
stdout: 6:28:07
